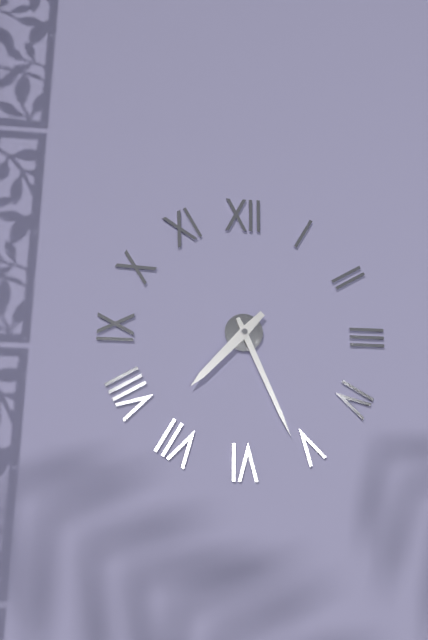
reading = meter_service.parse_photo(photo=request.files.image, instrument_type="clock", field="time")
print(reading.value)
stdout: 7:26
